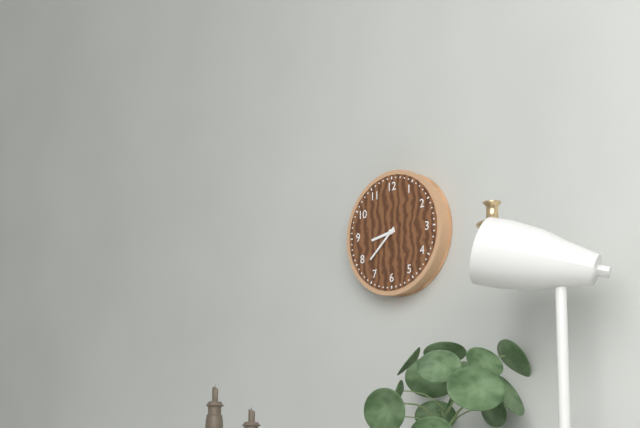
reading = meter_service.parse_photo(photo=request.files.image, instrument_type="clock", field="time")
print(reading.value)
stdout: 8:38
